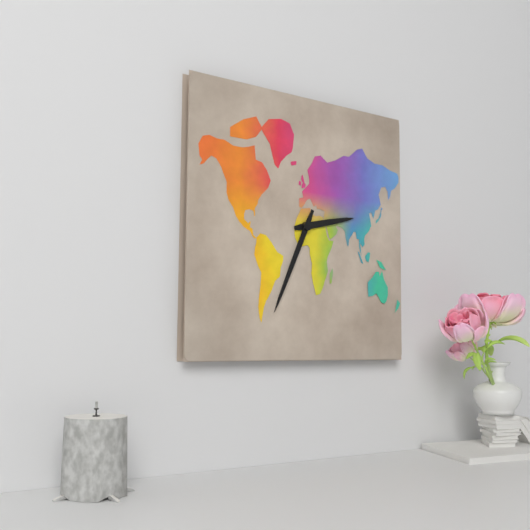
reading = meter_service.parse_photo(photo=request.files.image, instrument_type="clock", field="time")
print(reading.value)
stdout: 2:34
